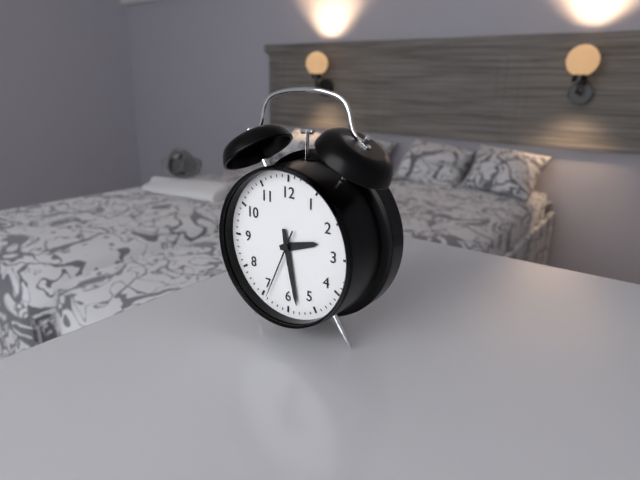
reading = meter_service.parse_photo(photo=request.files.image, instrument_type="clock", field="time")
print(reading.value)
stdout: 2:28:34
